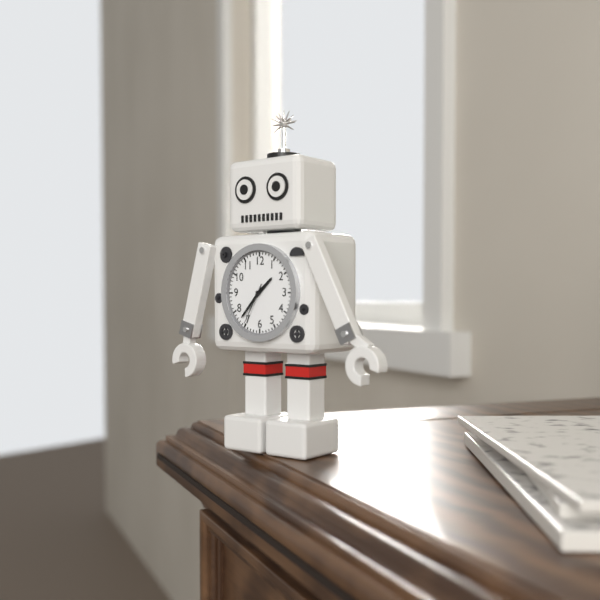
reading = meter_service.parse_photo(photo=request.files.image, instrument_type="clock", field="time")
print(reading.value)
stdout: 1:37:35
